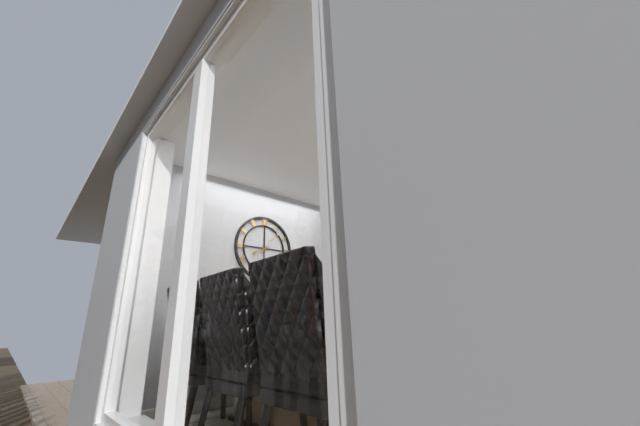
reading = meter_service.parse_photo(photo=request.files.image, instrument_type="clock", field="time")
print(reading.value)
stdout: 8:07
